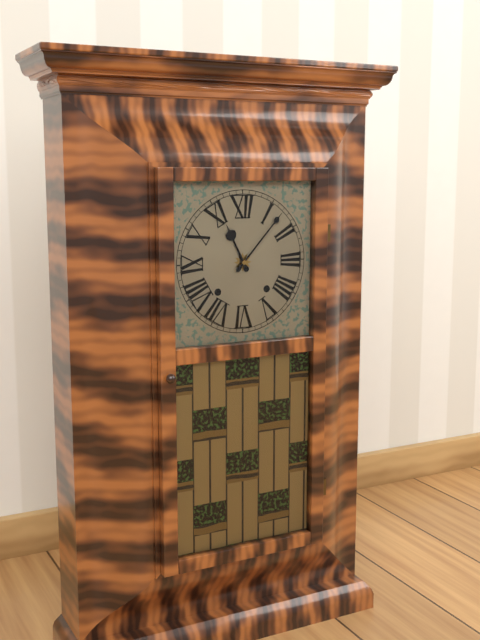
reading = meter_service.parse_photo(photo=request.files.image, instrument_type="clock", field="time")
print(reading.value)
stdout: 11:07
